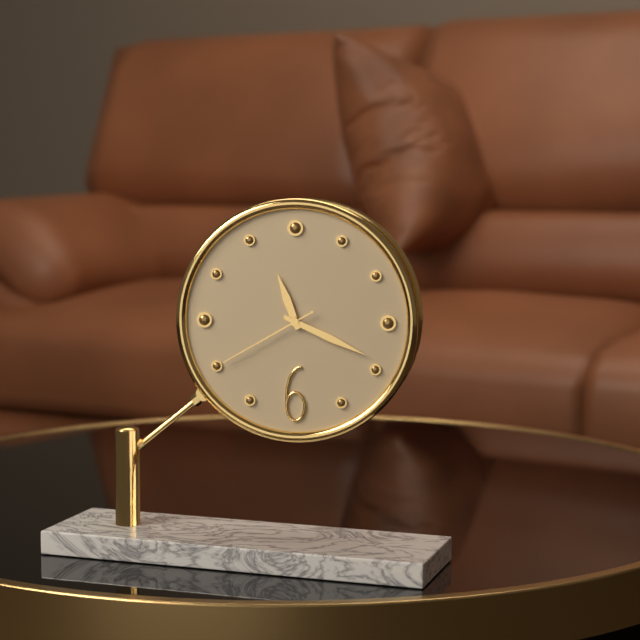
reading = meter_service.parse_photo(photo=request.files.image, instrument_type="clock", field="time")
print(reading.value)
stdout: 11:19:40
